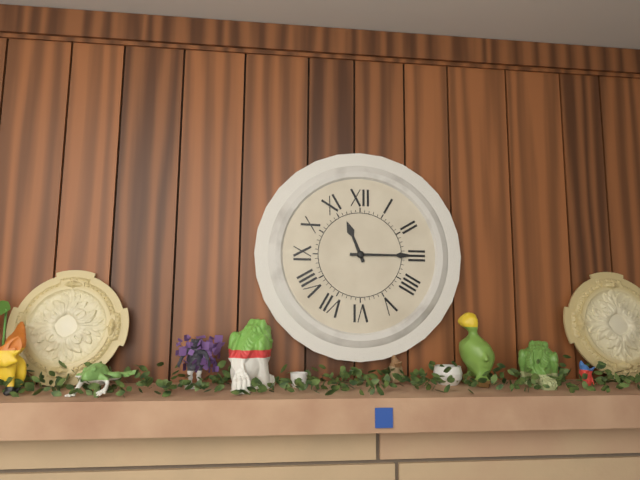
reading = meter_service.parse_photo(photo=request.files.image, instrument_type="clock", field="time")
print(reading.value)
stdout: 11:15
